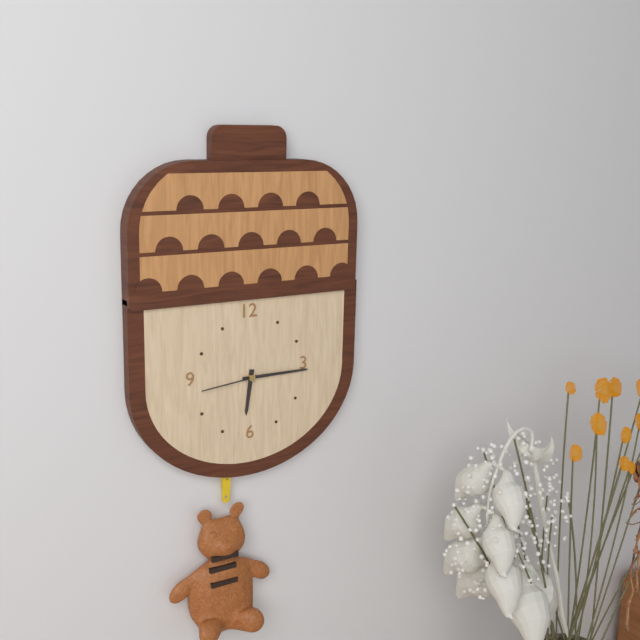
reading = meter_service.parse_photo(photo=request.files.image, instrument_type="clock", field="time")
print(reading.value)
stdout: 6:15:44
